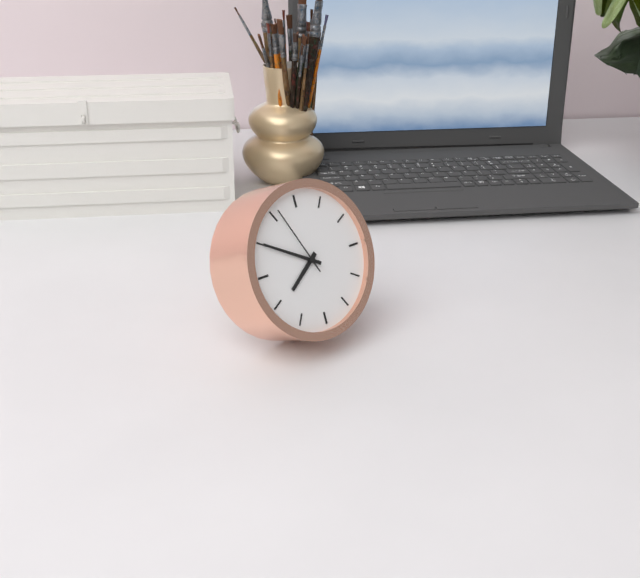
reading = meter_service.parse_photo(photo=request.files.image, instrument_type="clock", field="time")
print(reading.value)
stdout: 7:50:56
